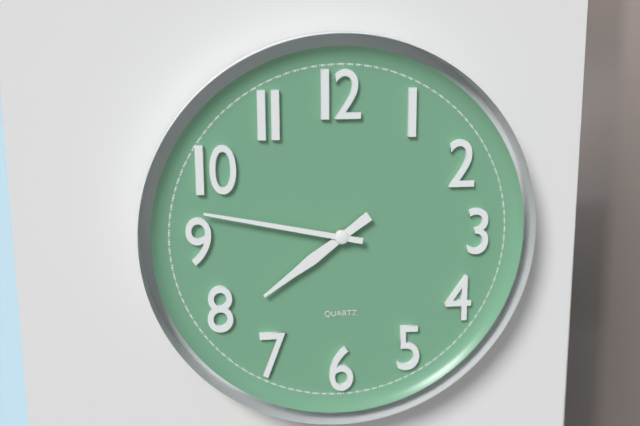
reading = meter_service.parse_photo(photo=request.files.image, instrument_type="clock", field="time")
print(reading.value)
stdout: 7:47
